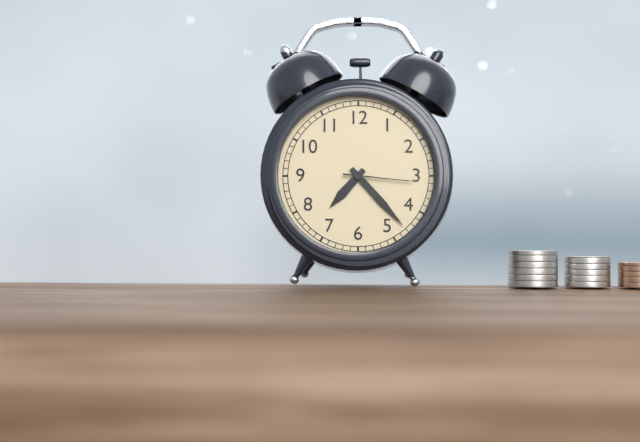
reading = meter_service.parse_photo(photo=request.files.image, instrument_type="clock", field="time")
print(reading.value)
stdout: 7:23:16
